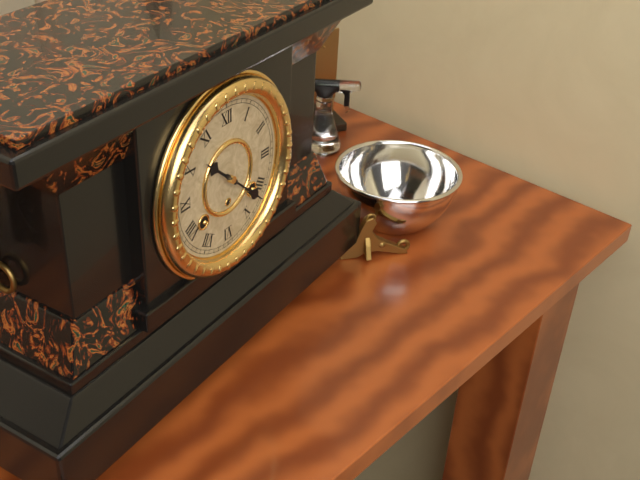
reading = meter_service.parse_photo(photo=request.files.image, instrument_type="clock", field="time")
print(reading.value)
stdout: 10:22
